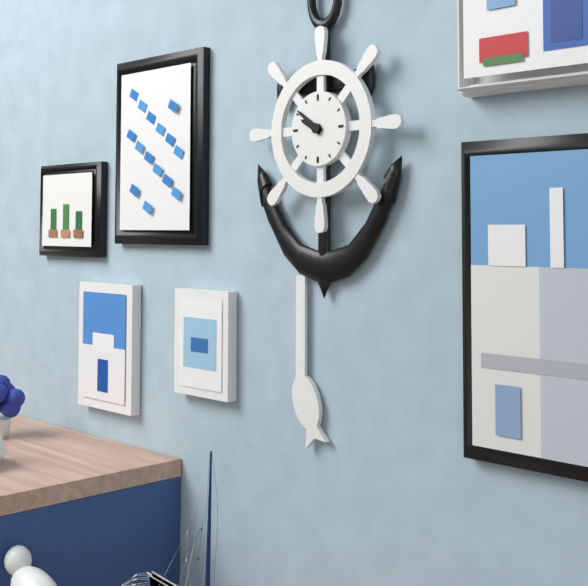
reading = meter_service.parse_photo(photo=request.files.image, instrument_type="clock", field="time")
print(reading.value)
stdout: 9:51
